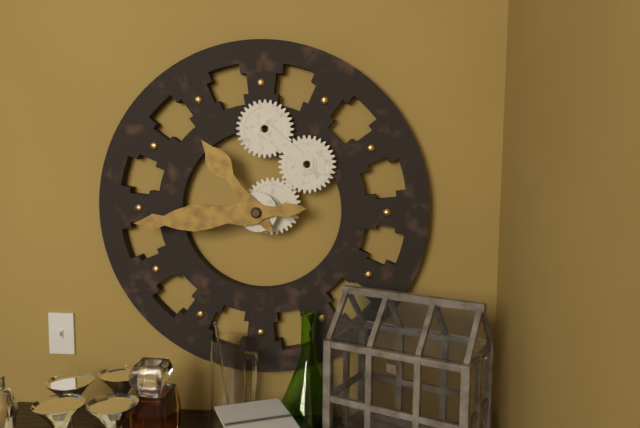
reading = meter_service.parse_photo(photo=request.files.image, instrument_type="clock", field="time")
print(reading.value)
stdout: 10:44
